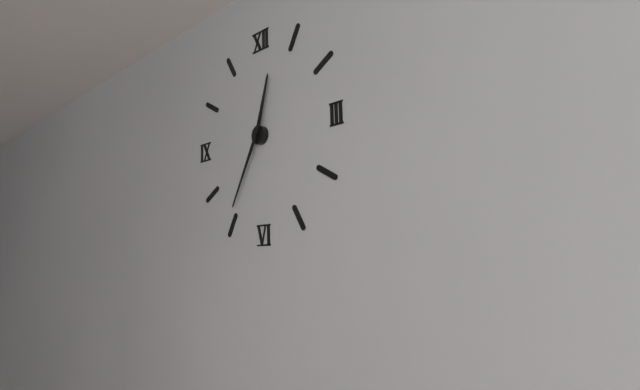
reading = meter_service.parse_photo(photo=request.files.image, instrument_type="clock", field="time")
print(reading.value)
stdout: 12:35
